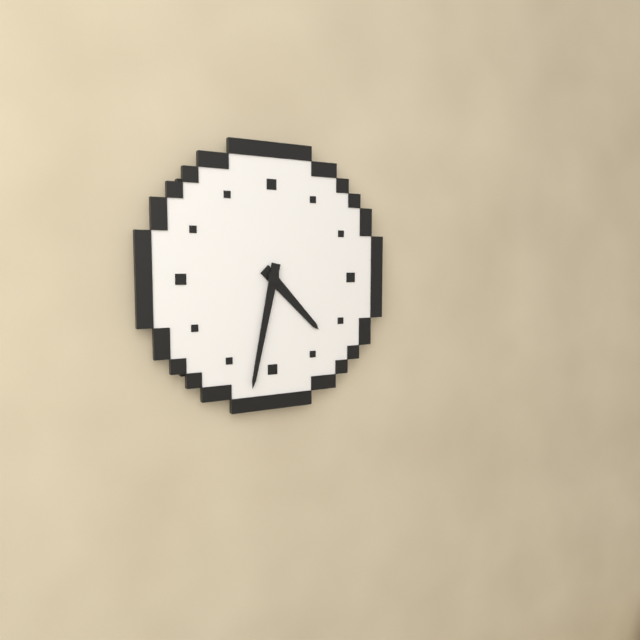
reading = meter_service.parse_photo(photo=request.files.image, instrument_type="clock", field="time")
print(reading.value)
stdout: 4:32
